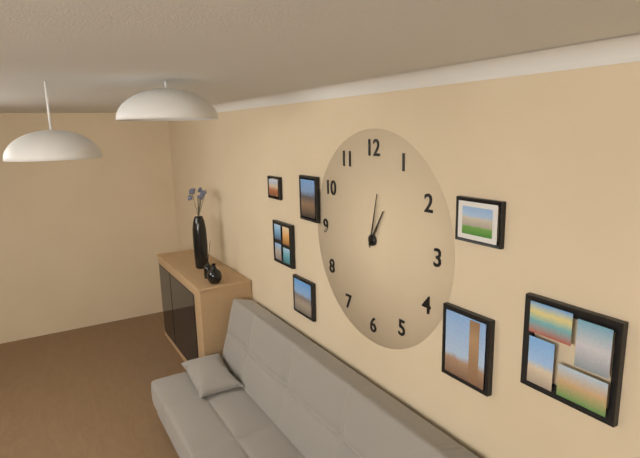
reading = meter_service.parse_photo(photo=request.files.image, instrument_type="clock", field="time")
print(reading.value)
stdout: 1:02
